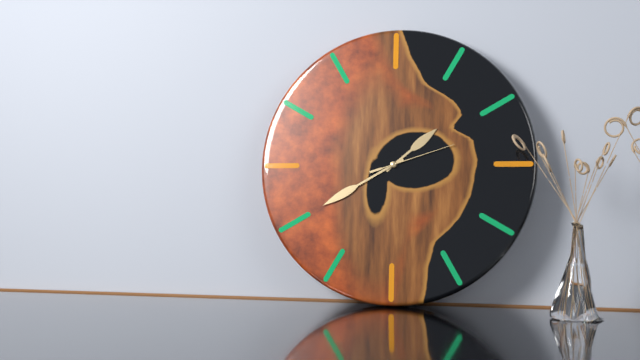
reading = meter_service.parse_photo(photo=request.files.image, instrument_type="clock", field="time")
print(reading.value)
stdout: 1:40:12
